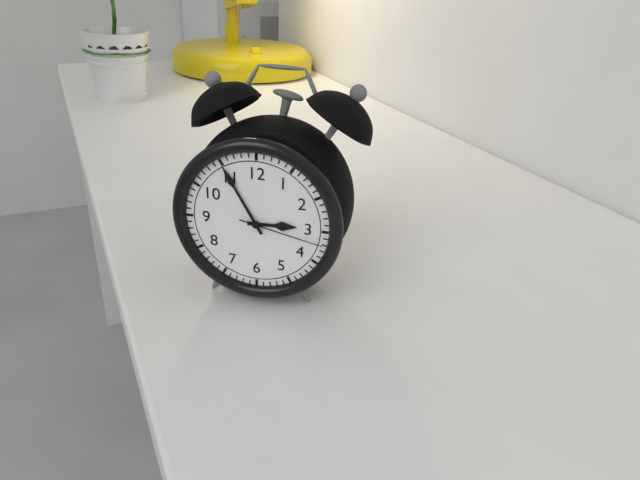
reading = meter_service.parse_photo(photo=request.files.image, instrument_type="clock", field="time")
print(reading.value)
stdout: 2:55:17
